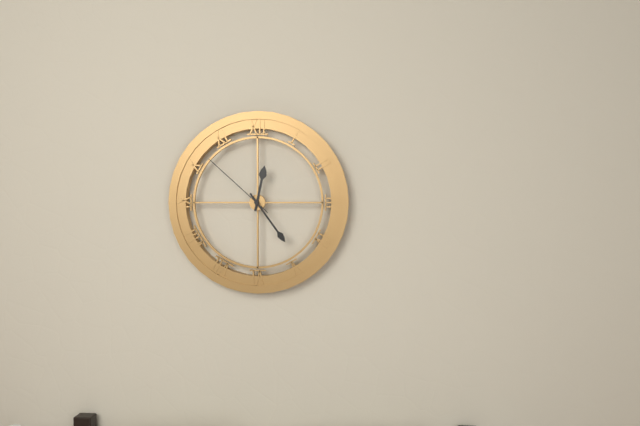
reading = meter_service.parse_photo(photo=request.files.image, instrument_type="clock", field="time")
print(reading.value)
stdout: 12:24:52
